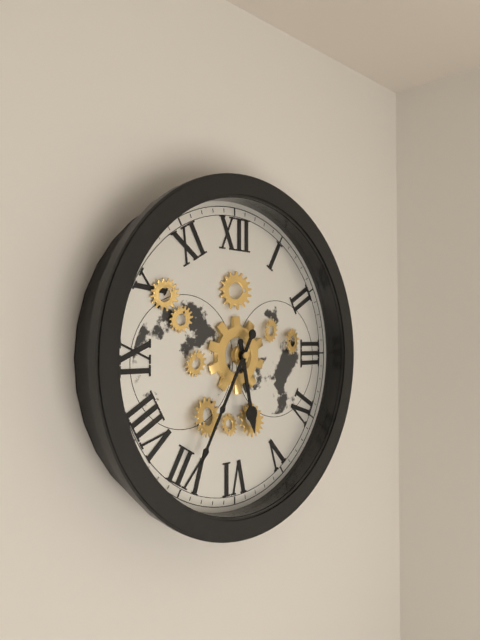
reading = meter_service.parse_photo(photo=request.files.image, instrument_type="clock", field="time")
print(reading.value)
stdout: 5:35
